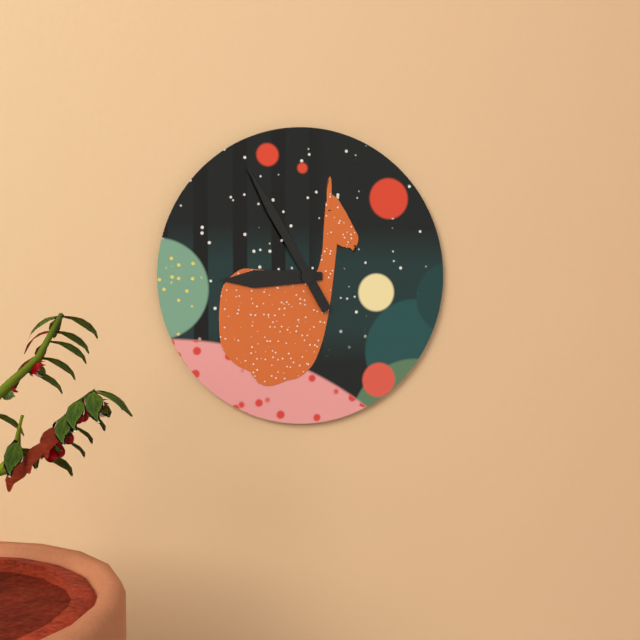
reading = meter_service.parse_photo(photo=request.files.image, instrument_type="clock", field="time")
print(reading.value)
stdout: 8:55
